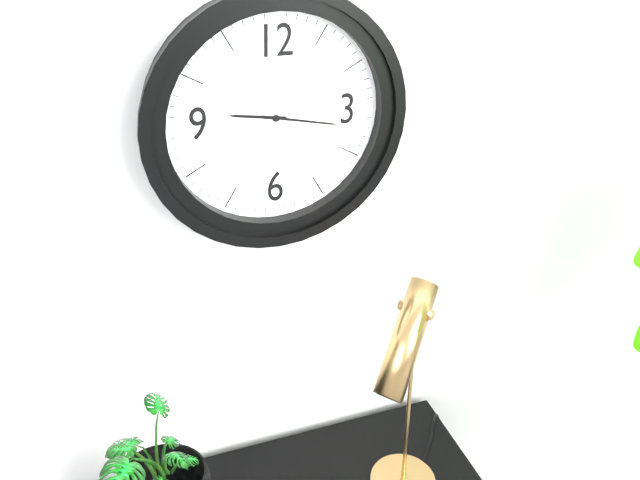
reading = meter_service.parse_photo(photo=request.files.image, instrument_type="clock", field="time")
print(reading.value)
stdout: 9:17
